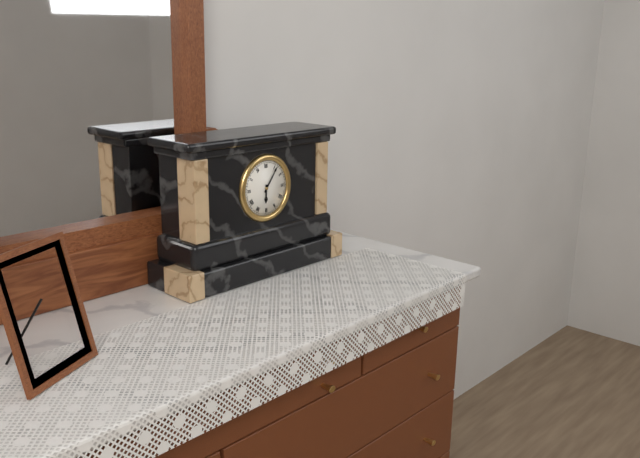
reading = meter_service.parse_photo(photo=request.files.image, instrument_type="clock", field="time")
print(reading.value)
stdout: 6:06
